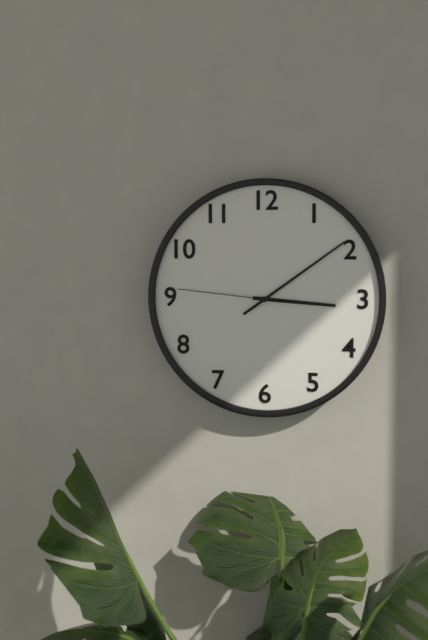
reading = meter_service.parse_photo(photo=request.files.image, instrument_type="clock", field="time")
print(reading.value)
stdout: 3:09:46
